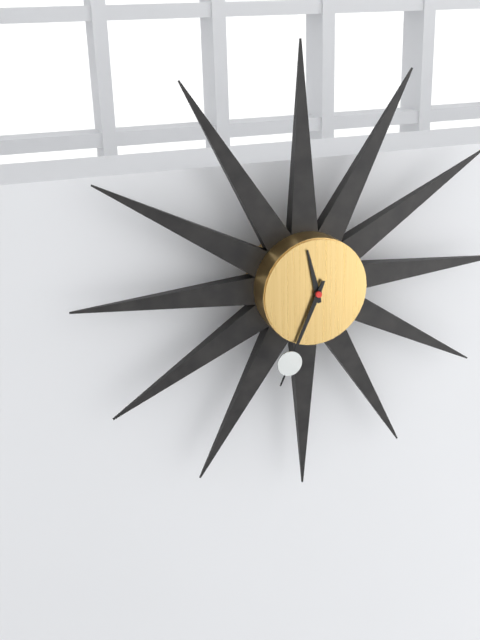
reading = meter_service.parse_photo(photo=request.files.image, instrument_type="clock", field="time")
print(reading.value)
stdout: 11:34
